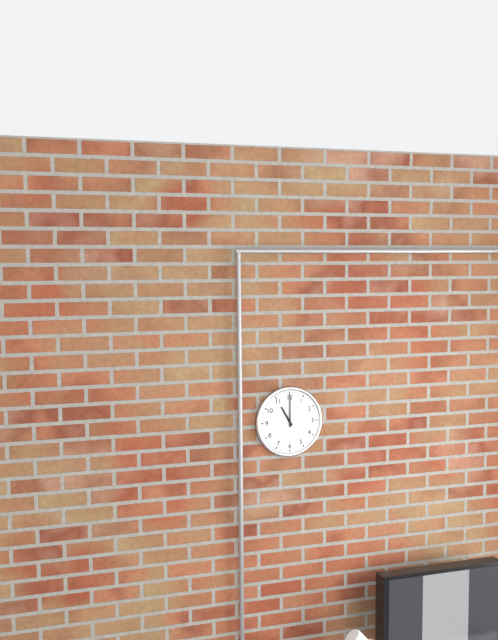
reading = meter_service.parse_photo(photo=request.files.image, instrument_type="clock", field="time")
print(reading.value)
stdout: 11:00
